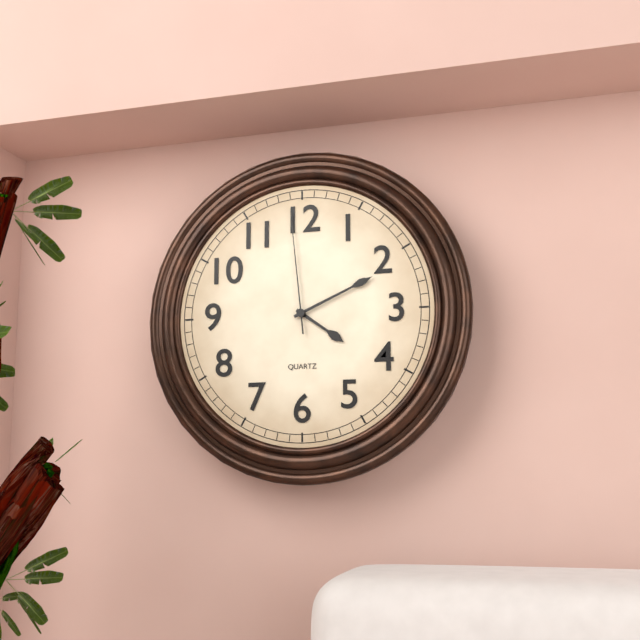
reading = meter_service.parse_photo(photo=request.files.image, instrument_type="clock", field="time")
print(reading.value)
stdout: 4:11:59
